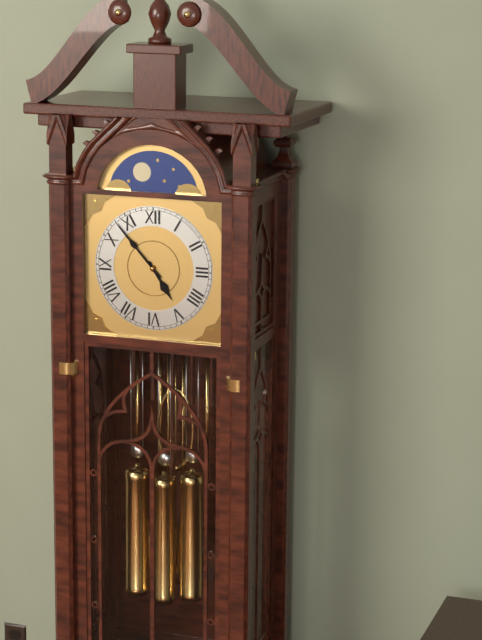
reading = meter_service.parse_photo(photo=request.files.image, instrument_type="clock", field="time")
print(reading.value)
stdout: 4:53
